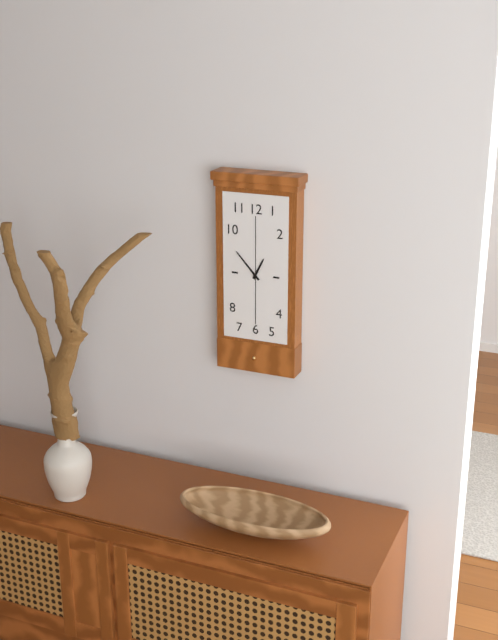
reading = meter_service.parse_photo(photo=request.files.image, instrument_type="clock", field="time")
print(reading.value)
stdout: 12:53
